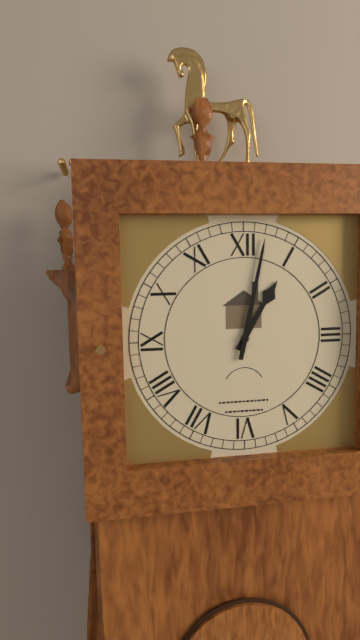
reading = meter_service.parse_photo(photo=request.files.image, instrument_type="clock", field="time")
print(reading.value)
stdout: 1:02
